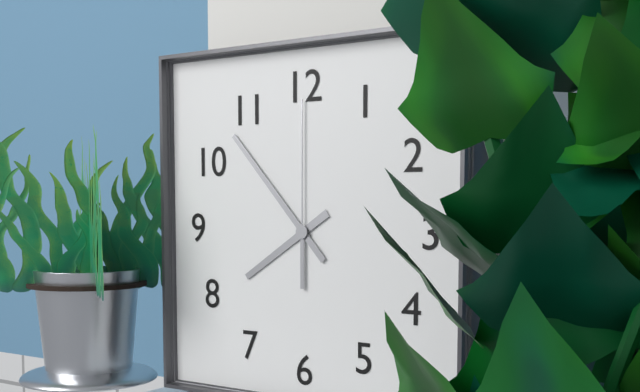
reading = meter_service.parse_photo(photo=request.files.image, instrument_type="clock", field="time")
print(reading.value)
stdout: 7:53:00
